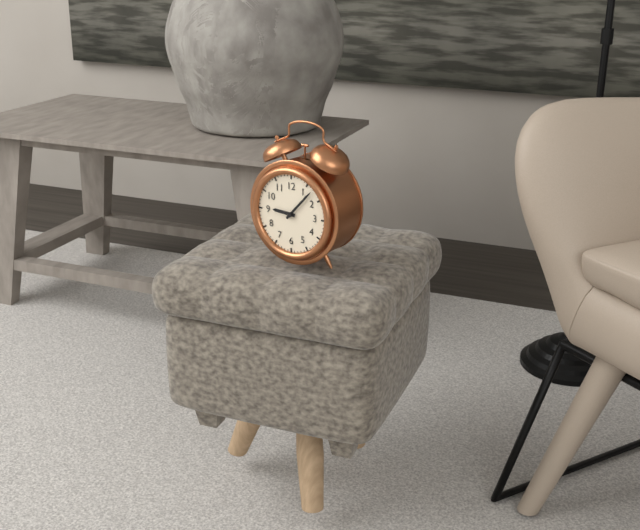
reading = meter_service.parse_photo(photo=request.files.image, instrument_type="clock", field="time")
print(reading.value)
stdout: 9:07
